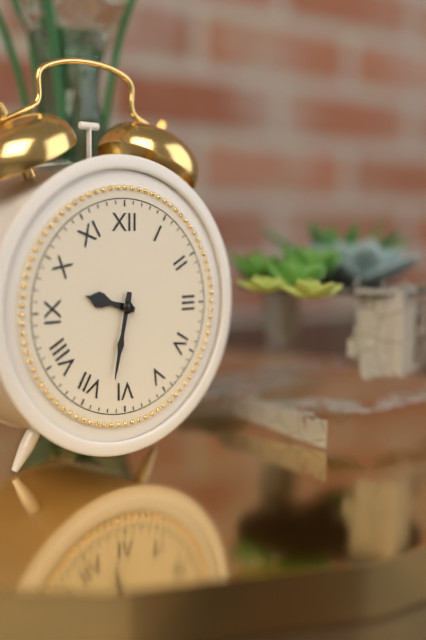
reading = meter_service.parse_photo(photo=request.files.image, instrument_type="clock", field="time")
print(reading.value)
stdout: 9:32
